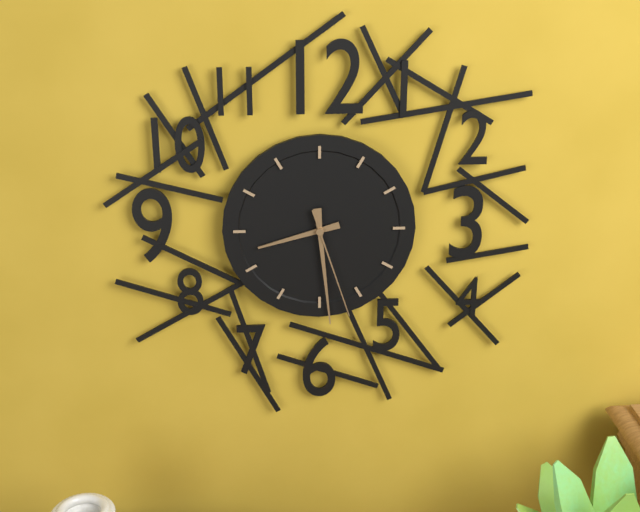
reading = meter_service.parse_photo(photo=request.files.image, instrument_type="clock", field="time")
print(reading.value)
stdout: 8:29:27
